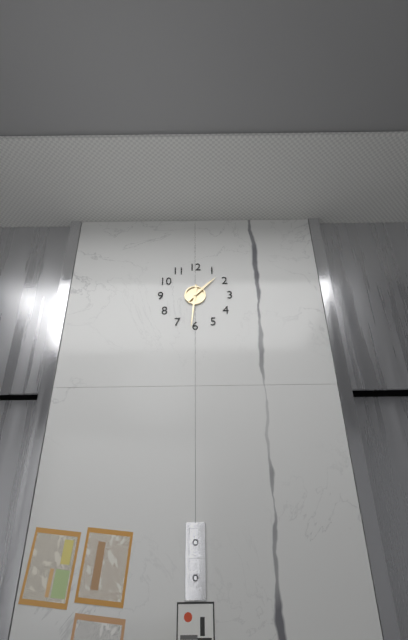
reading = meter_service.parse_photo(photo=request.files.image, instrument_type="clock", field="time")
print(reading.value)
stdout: 1:31
